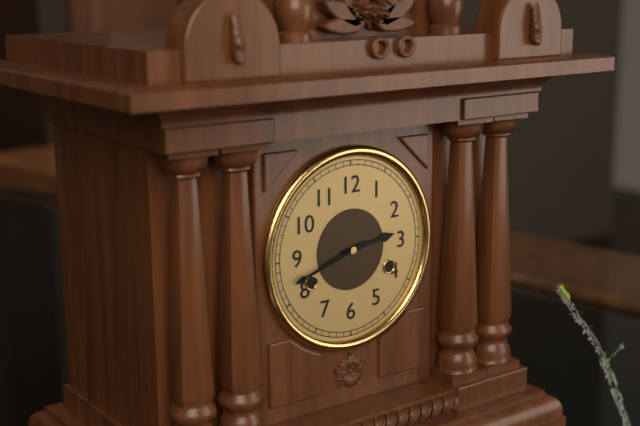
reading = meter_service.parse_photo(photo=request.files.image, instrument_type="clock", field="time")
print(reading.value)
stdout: 2:42
